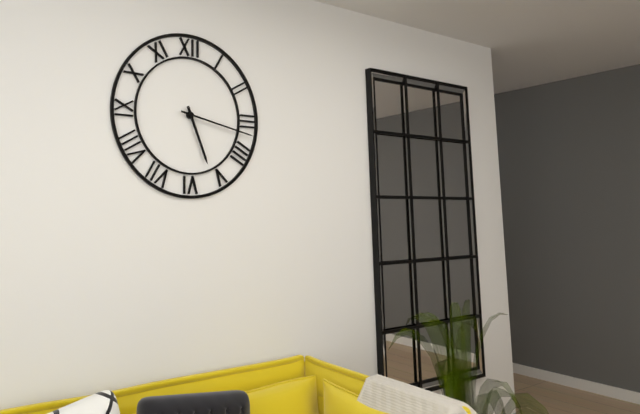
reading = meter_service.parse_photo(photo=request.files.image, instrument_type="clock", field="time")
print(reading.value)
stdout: 5:17
